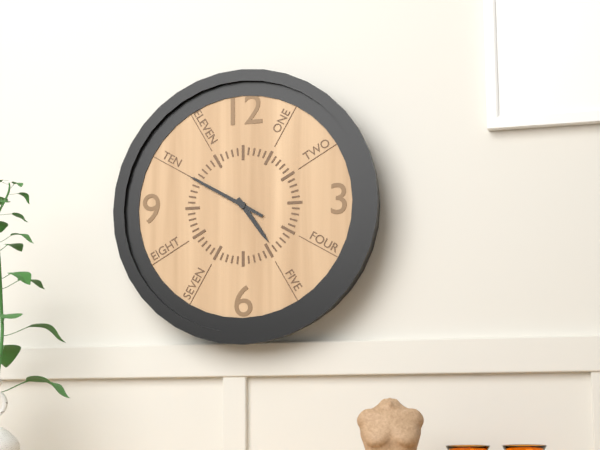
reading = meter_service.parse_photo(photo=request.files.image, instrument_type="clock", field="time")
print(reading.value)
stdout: 4:50
